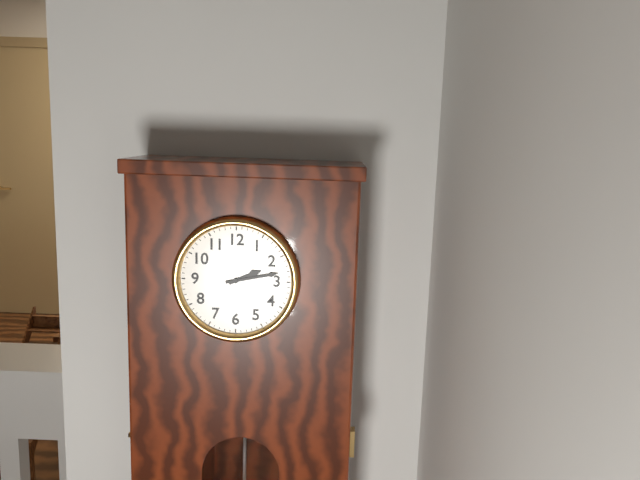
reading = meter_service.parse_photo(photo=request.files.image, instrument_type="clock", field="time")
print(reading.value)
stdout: 2:13
